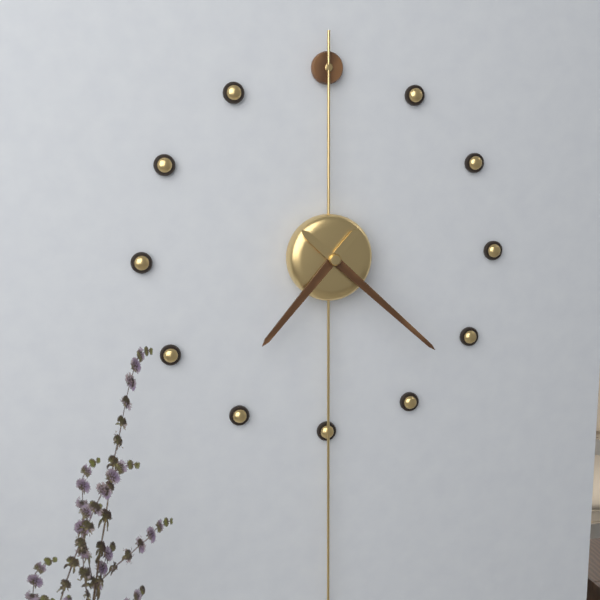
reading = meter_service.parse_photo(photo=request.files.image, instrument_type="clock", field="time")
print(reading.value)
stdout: 7:22
